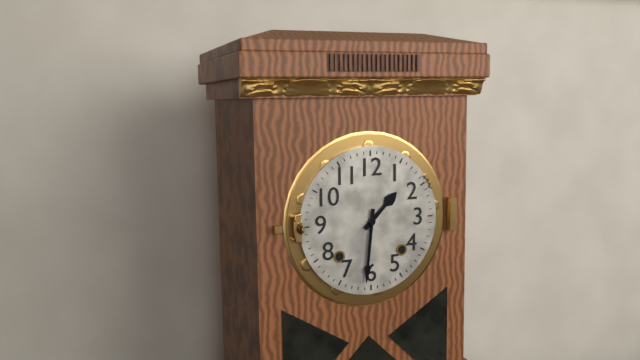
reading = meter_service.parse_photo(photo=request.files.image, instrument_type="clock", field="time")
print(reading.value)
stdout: 1:31
